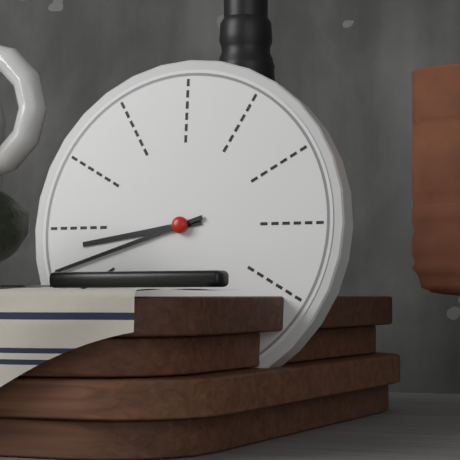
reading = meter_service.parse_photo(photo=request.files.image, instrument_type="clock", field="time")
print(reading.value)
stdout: 8:42
